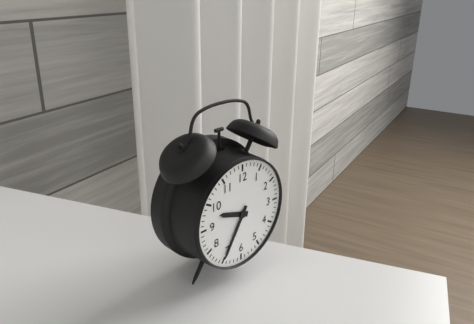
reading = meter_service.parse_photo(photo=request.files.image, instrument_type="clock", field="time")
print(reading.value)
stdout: 9:35
